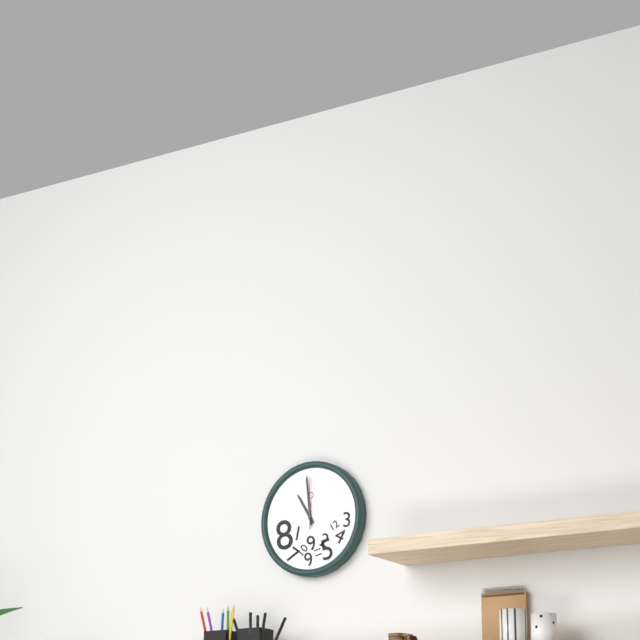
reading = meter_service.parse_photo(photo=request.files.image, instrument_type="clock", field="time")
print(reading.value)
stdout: 10:59:00
